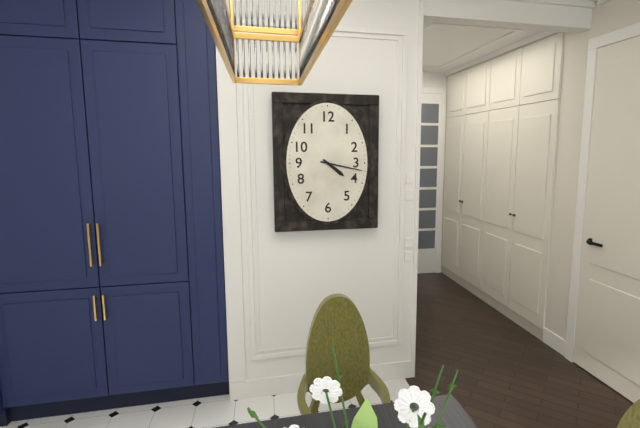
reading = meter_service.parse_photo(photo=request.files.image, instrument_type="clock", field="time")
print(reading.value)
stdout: 4:17
